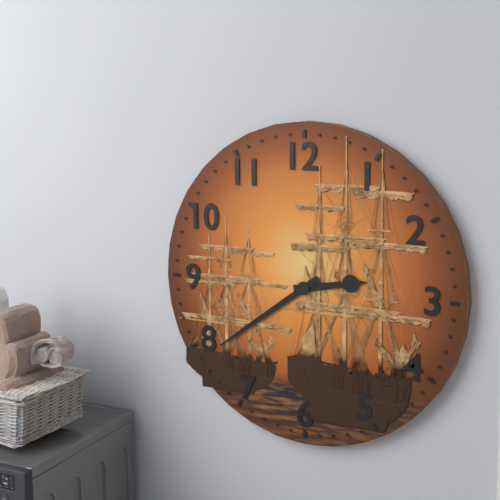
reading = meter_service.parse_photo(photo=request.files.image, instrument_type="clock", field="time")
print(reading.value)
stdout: 2:39
